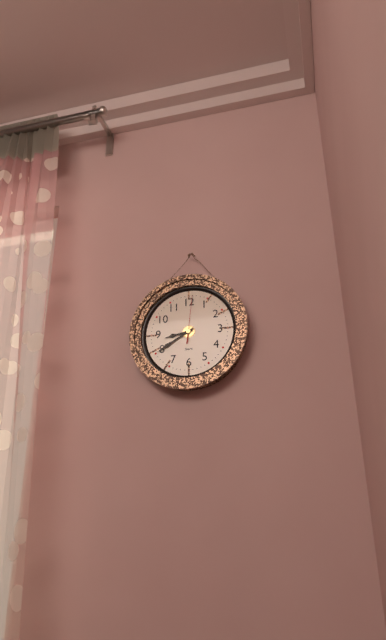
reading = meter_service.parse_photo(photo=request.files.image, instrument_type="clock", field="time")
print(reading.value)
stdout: 8:40
